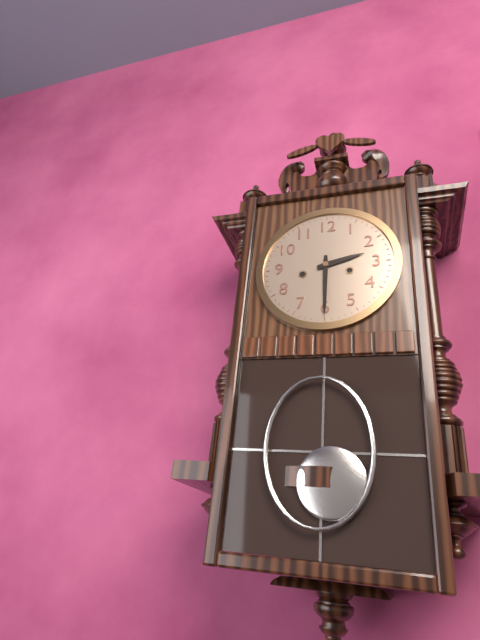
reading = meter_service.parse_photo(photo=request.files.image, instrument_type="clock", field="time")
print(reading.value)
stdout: 2:30
